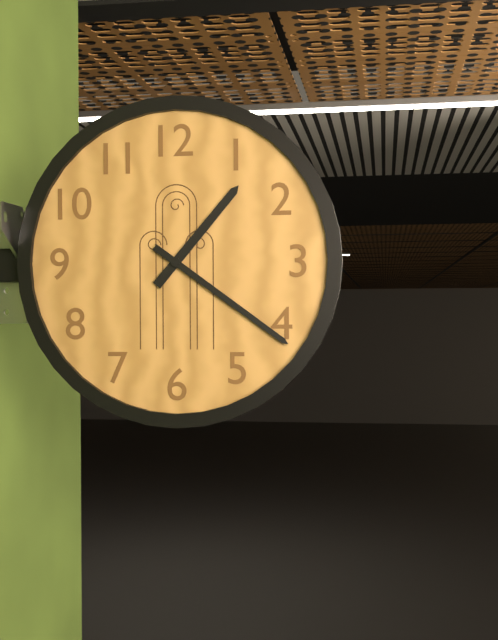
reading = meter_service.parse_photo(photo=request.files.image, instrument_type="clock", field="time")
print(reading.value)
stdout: 1:21
